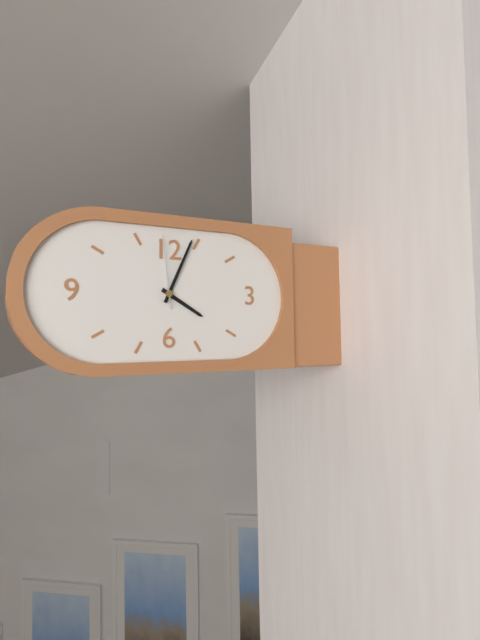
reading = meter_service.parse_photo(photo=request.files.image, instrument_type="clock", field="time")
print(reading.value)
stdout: 4:04:59
